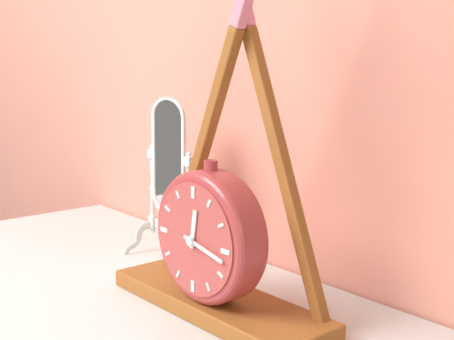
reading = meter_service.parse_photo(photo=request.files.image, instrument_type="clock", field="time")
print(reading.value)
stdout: 12:17
